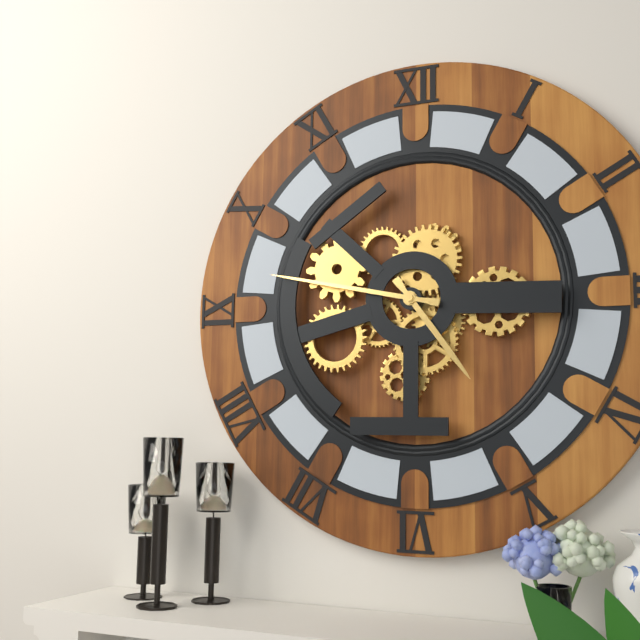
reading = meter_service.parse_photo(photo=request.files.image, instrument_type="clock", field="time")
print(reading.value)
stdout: 4:47
